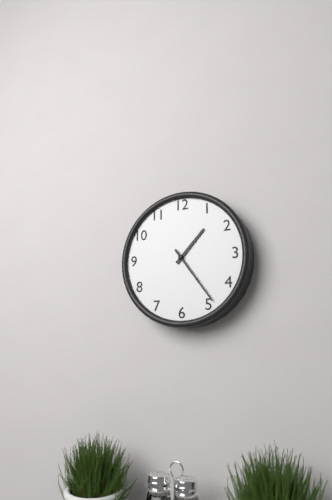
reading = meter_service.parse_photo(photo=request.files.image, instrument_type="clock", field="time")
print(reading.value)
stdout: 1:24
